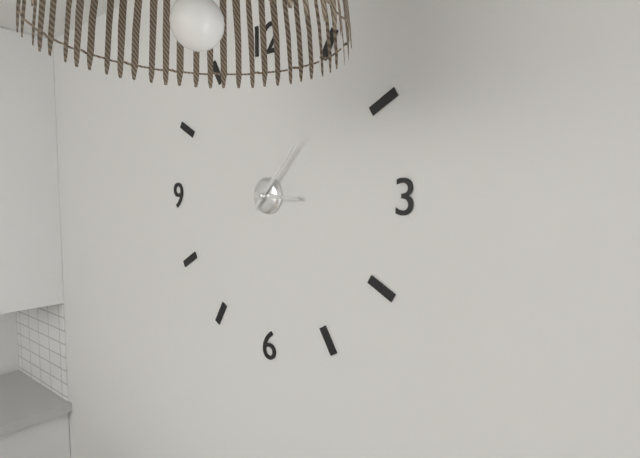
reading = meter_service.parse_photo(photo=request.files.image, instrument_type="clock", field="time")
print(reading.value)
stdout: 3:07
